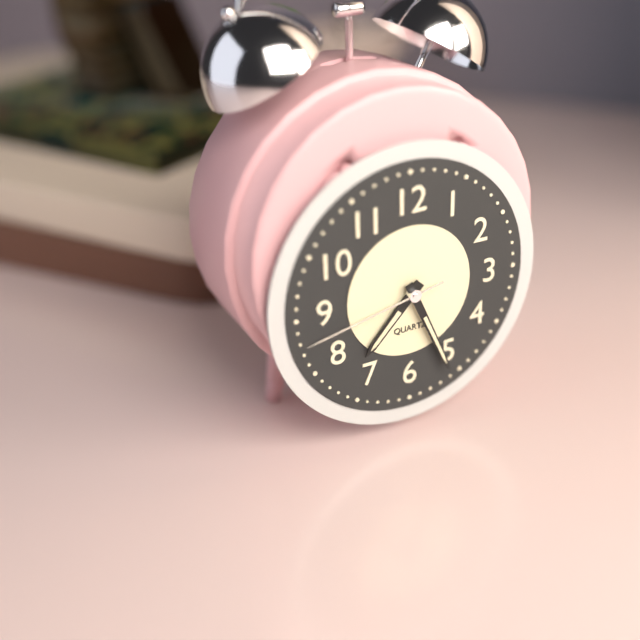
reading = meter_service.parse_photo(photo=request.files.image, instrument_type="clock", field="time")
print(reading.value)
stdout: 7:26:43
